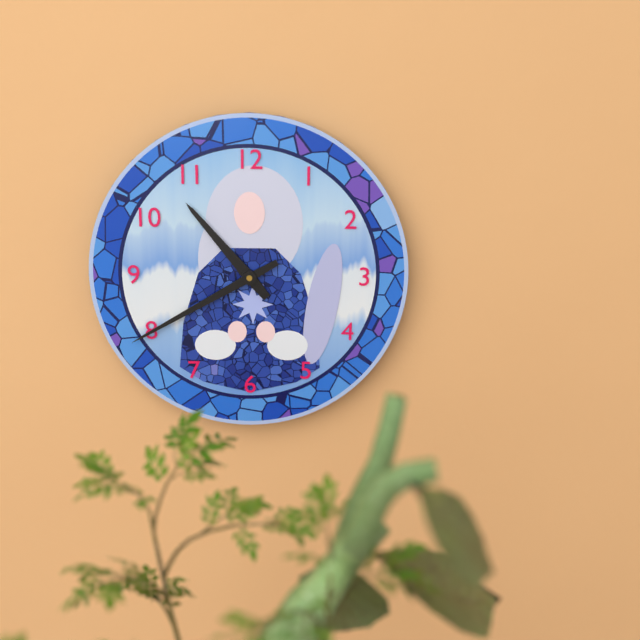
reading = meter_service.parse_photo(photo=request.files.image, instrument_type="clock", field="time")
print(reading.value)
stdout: 10:40
